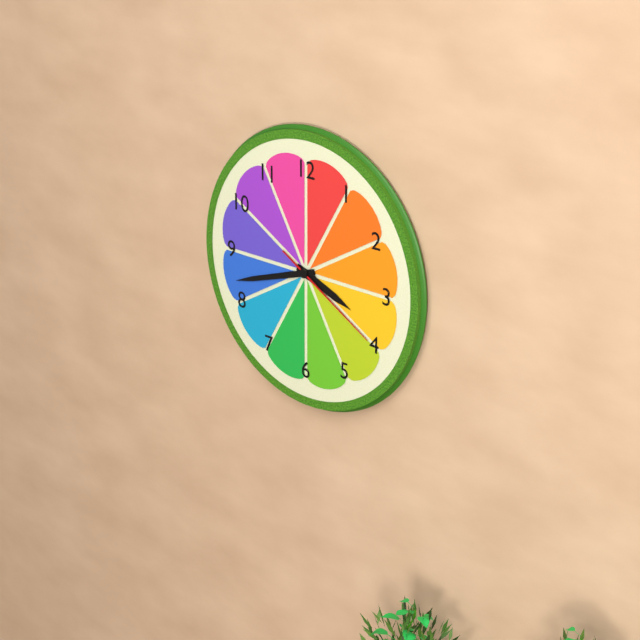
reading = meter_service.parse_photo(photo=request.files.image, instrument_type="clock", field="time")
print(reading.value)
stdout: 3:42:20
